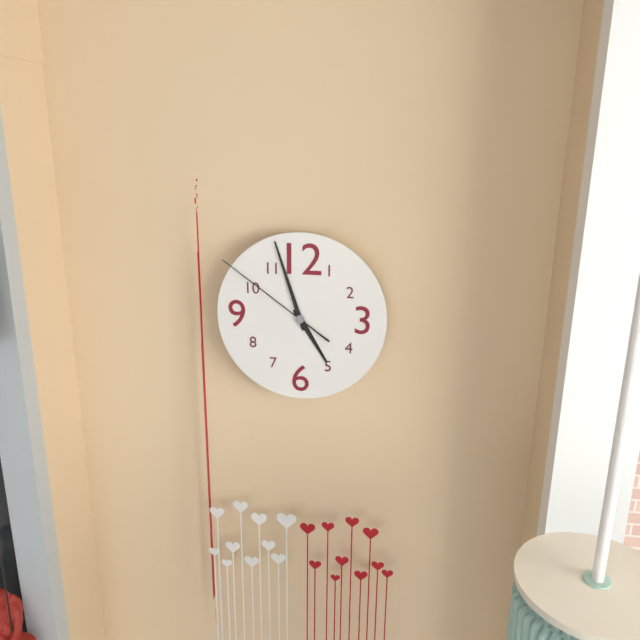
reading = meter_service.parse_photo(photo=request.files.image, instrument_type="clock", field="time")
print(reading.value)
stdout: 4:57:51
